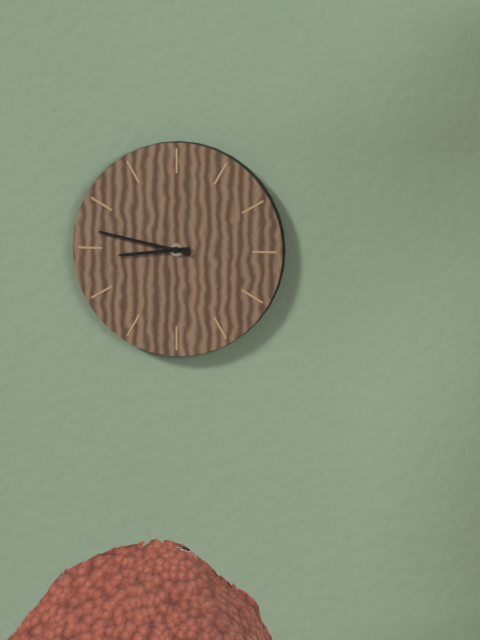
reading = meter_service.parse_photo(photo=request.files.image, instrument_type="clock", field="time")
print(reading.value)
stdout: 8:47
